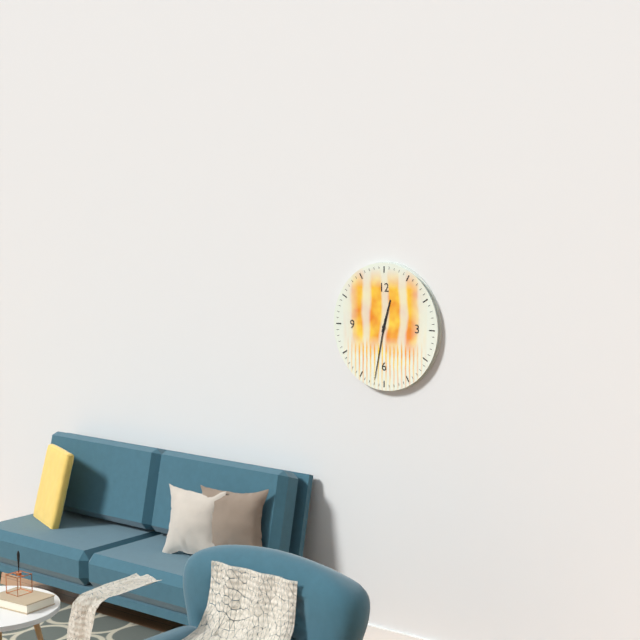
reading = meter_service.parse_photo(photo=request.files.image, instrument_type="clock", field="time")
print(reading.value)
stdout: 12:32
